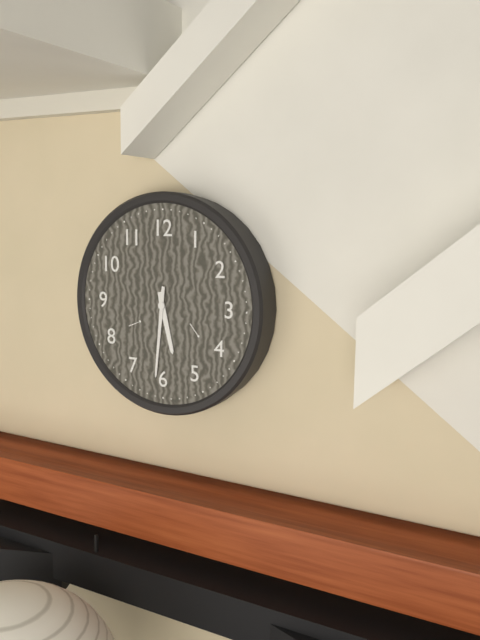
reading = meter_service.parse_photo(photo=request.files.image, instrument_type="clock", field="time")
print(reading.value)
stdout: 5:31
